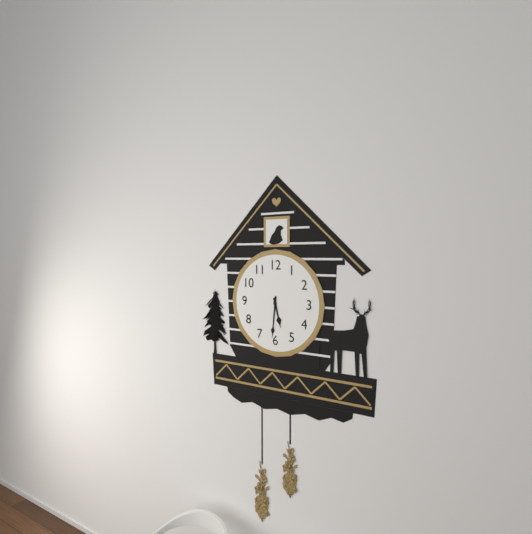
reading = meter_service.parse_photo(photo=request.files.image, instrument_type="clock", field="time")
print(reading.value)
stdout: 5:31
